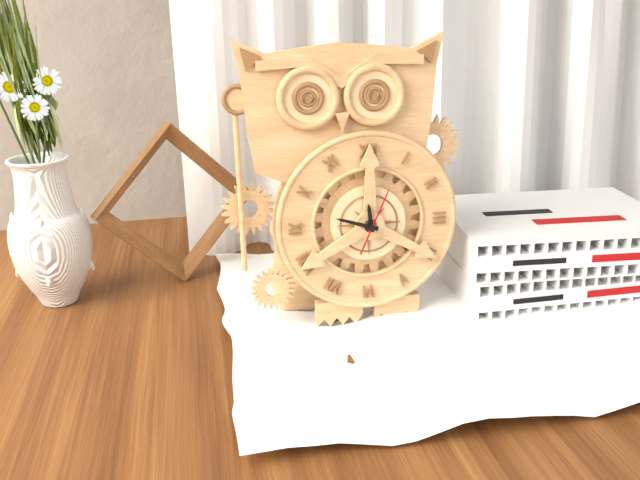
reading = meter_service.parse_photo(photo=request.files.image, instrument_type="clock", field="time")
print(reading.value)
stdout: 11:48:04
